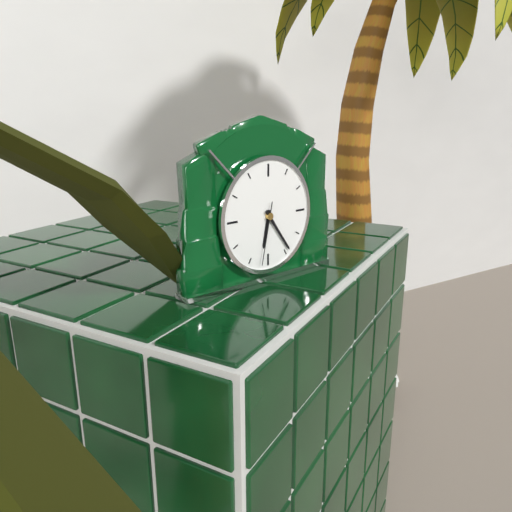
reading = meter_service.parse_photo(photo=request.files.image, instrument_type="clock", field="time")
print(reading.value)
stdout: 6:24:32
